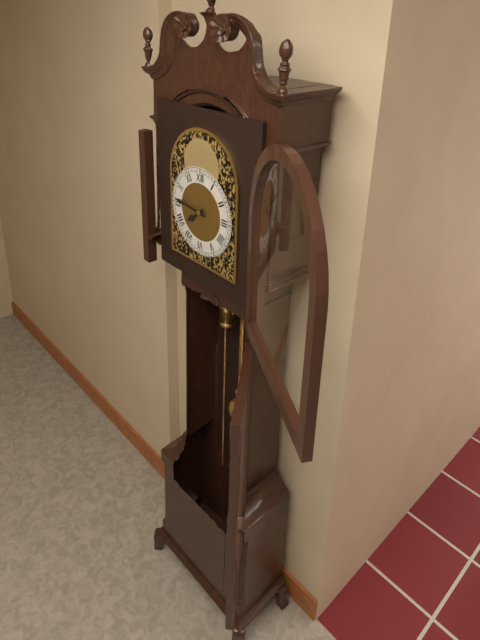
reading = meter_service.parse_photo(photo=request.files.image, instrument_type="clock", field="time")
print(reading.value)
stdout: 7:46
